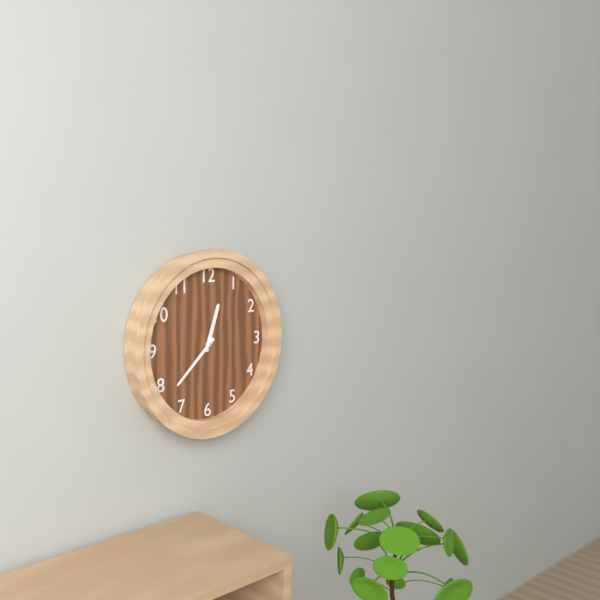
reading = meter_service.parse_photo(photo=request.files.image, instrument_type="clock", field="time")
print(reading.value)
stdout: 12:38
